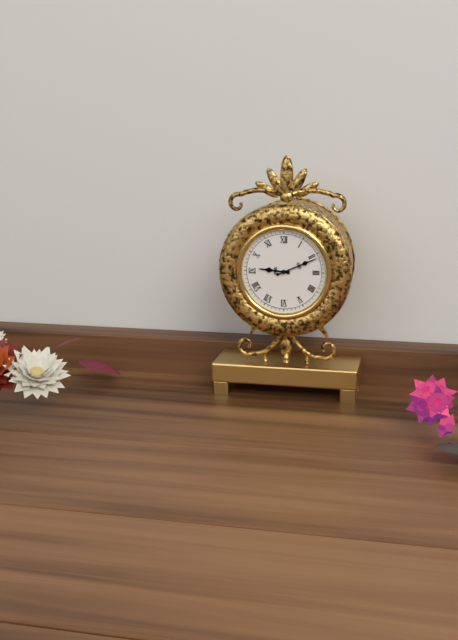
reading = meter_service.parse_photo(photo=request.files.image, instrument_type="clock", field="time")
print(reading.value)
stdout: 9:11
